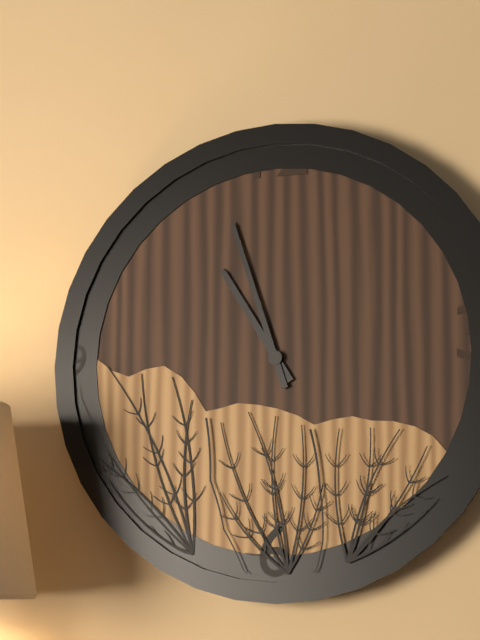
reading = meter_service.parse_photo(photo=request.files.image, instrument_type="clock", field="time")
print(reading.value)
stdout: 10:57
